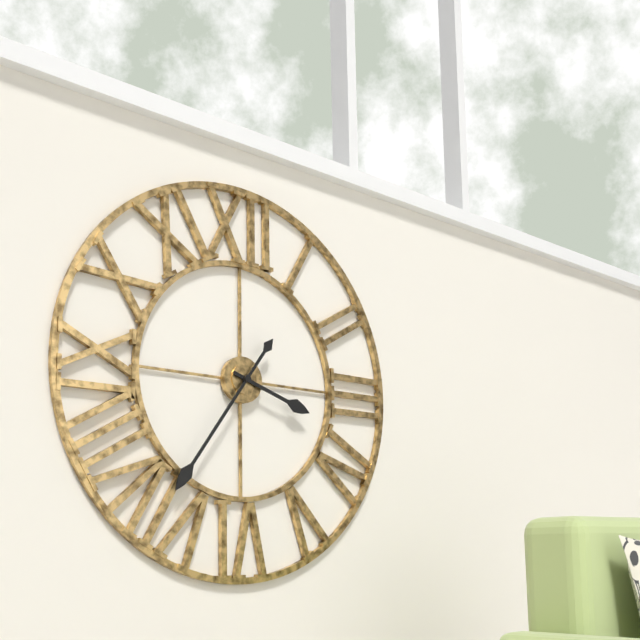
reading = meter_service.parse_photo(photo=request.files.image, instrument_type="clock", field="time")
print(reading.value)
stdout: 3:36
